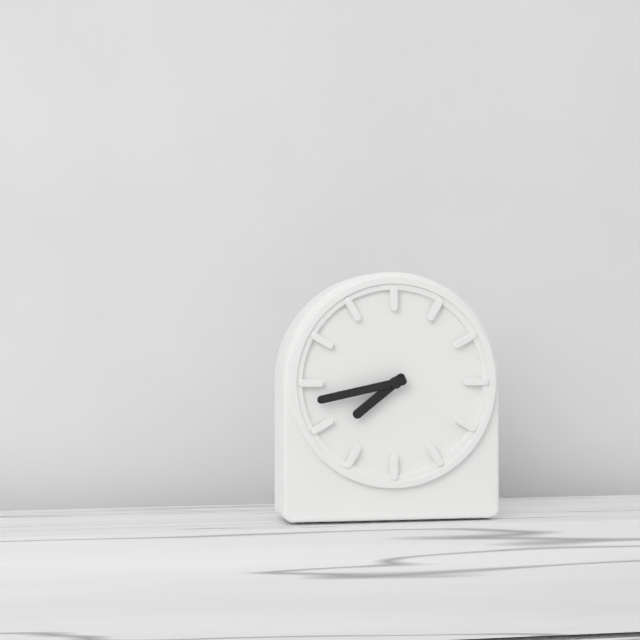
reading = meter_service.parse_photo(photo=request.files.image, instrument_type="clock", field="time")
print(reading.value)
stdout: 7:43
